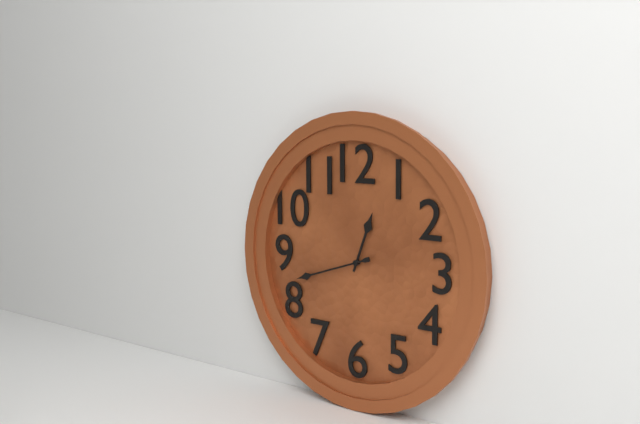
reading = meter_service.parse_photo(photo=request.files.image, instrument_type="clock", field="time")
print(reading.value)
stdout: 12:42
